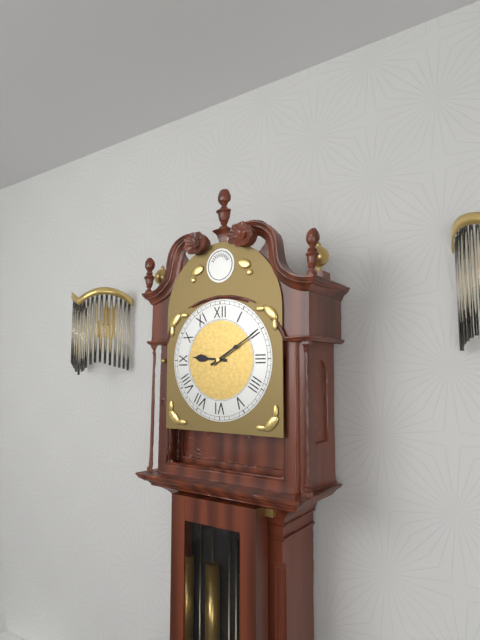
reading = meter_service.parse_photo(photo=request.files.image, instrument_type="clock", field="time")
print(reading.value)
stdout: 9:10
